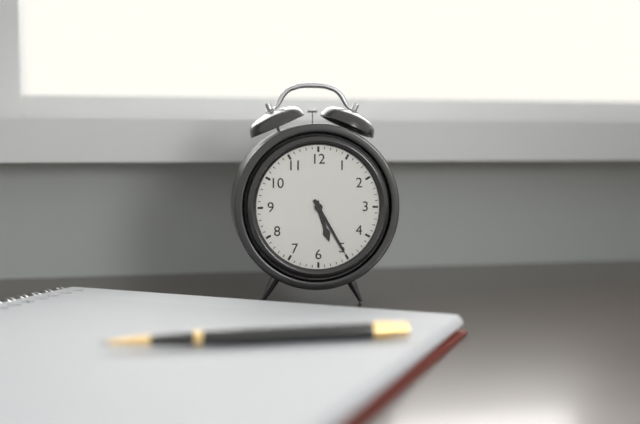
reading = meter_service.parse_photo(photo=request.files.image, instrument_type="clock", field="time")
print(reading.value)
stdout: 5:25
